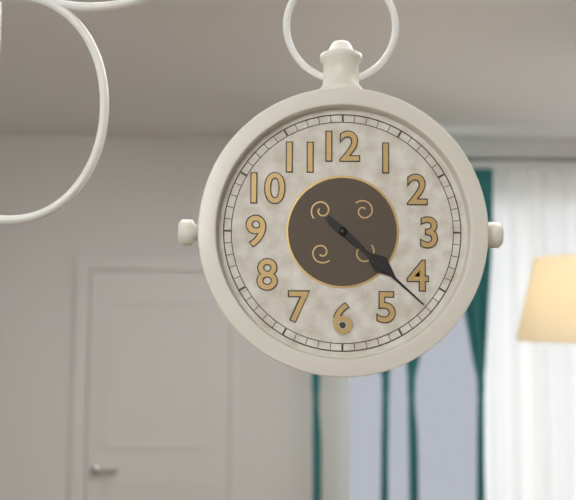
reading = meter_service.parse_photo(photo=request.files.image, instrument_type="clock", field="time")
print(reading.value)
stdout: 4:22
